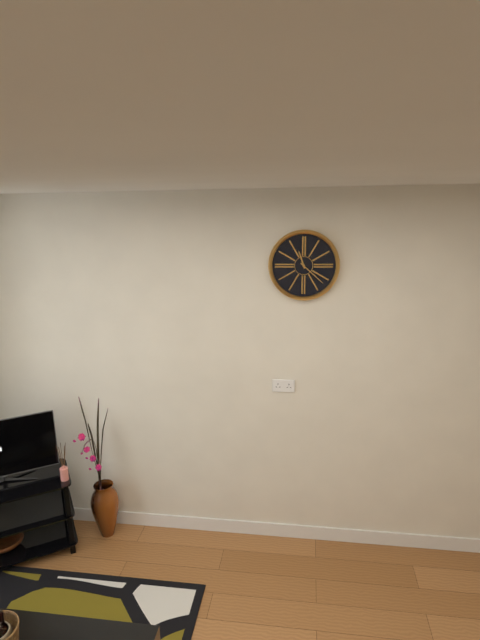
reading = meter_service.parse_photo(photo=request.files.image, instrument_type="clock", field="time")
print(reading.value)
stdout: 11:22
